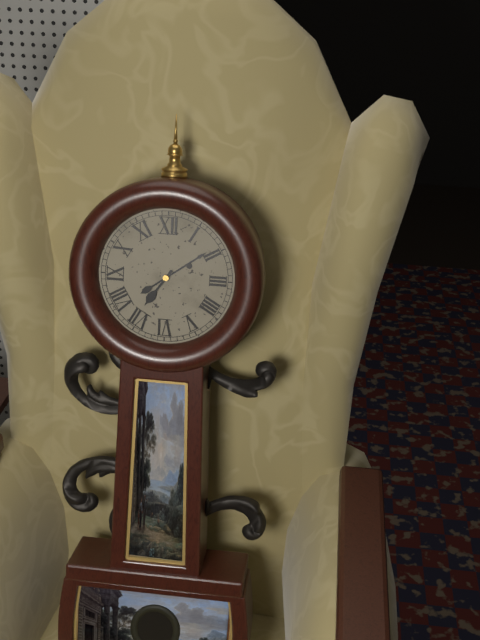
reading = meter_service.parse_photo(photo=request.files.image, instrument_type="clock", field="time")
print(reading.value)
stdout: 7:09
